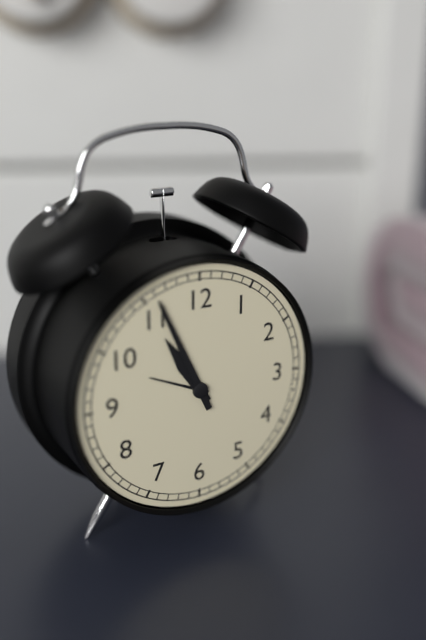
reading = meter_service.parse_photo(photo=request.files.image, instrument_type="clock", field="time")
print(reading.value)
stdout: 10:56
